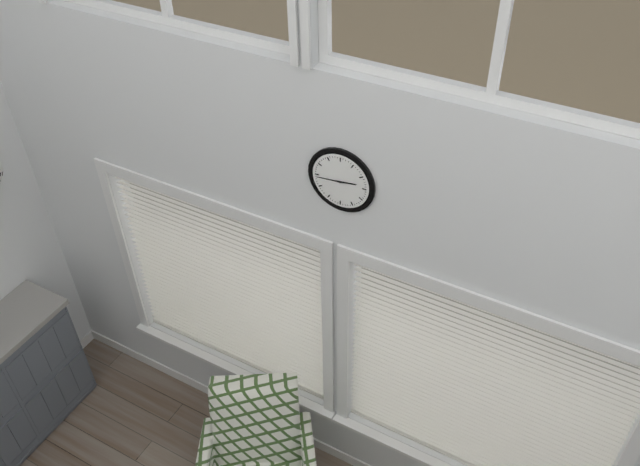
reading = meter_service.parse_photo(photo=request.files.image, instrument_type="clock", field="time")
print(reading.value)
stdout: 2:44
